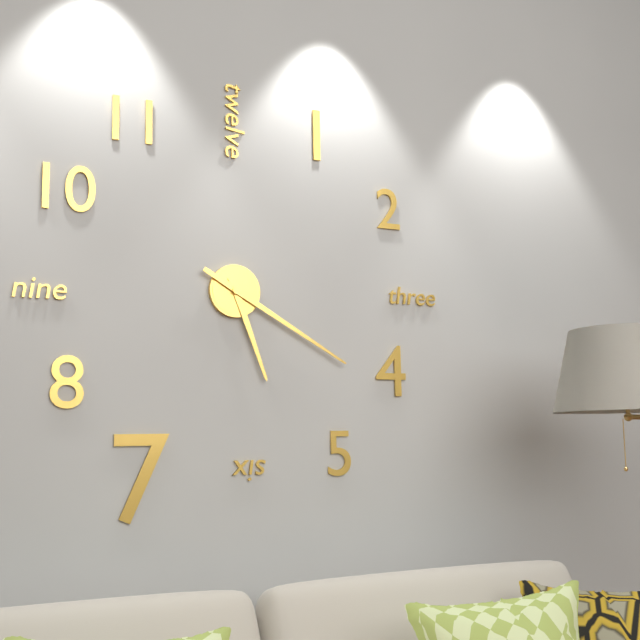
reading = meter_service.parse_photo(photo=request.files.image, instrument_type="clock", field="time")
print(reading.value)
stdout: 5:20
